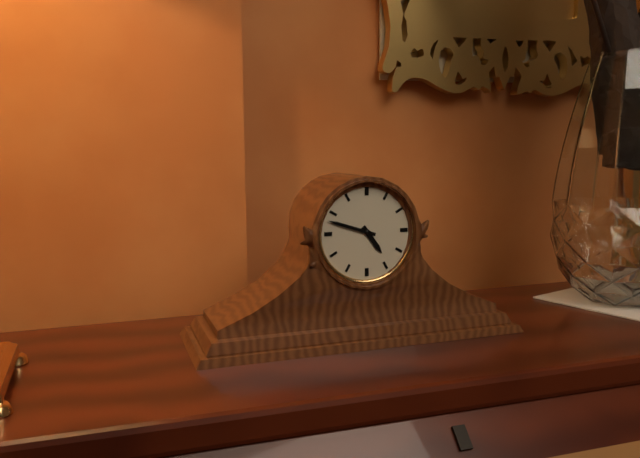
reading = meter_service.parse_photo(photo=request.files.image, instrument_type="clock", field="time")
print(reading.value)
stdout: 4:48
